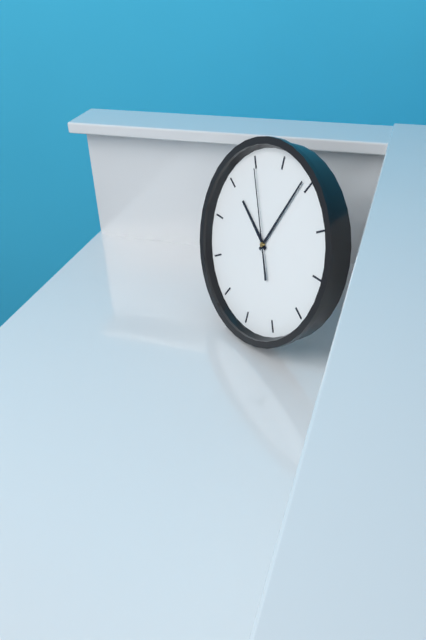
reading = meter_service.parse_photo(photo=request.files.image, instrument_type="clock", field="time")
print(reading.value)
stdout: 10:04:55
